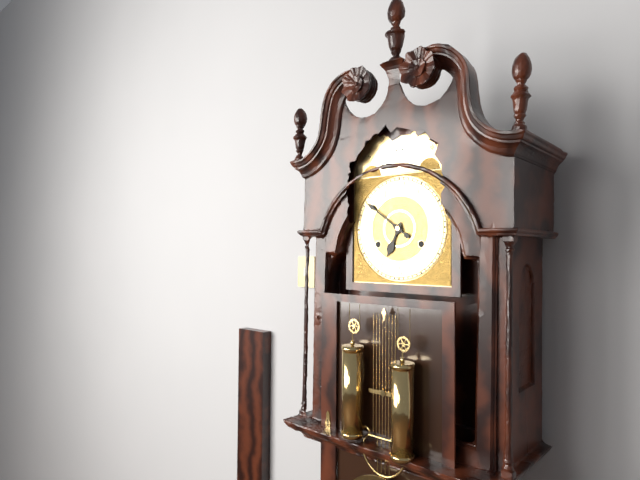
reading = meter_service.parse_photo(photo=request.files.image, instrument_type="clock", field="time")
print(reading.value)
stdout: 6:51
